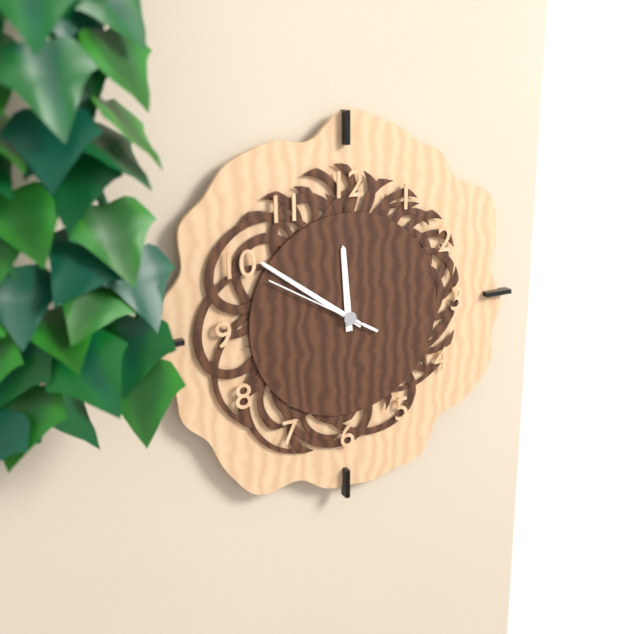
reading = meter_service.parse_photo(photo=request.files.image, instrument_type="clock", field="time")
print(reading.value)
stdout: 11:51:50
